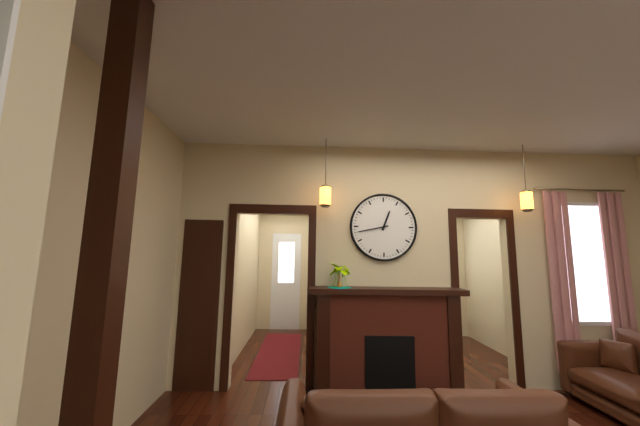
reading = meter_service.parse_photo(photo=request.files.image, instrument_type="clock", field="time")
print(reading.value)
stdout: 12:43
